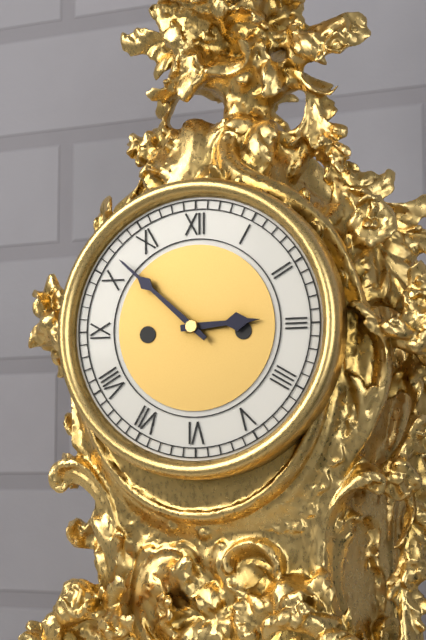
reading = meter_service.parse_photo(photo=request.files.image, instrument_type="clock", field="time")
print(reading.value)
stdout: 2:52
